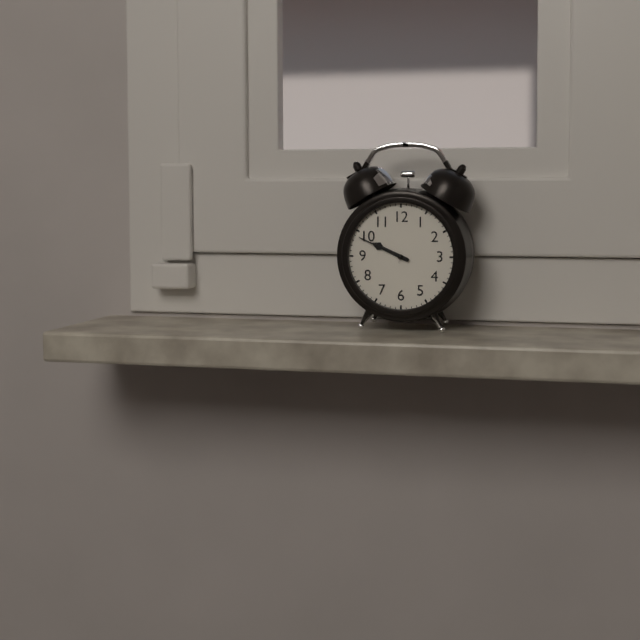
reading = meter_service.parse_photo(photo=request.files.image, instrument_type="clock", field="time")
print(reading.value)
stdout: 9:49
